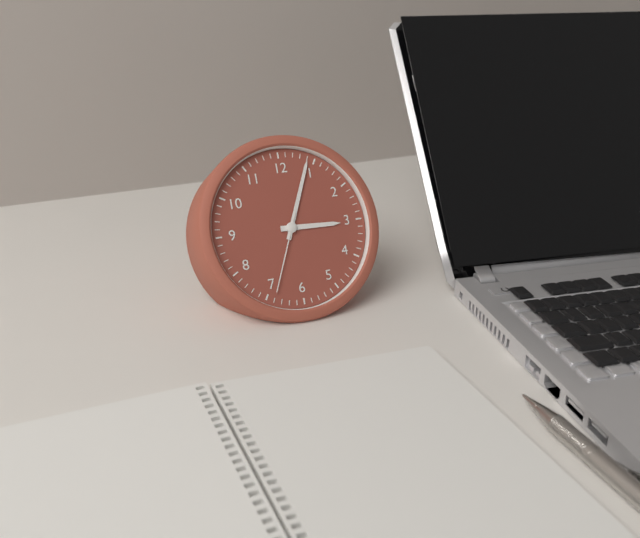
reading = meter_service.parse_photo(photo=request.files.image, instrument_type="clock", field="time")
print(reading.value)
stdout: 3:04:34
